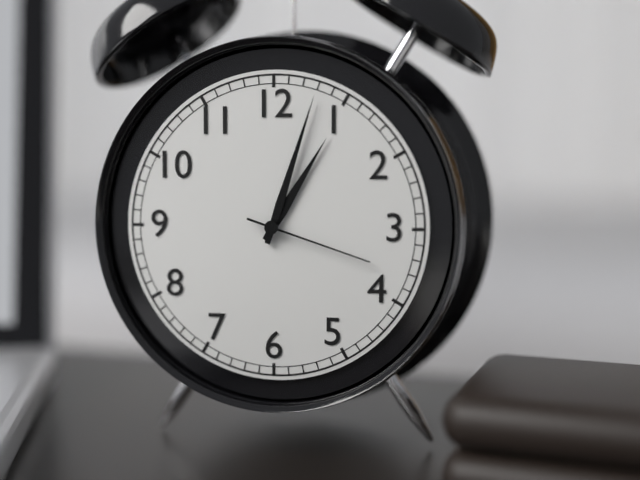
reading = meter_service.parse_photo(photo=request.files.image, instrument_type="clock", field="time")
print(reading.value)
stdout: 1:03:18
